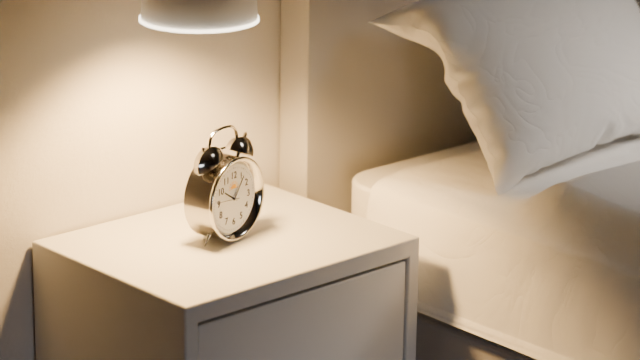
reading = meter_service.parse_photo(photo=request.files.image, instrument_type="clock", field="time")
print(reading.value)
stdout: 10:06
